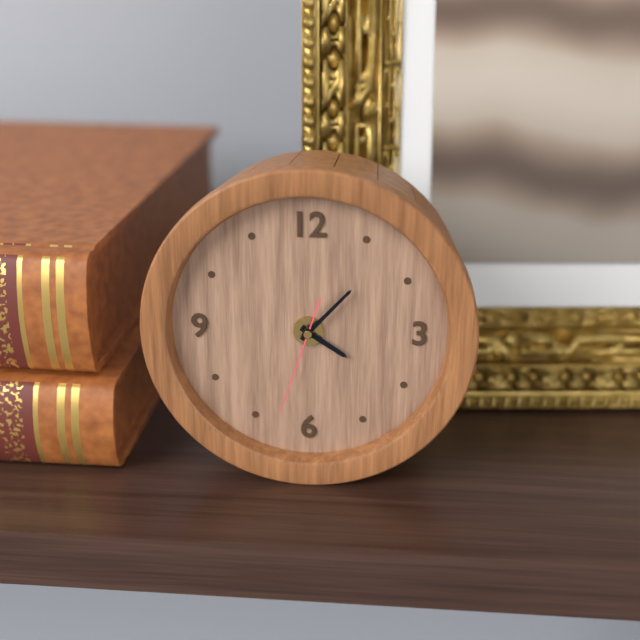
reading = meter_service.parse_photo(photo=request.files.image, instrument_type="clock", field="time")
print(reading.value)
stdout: 4:07:33
